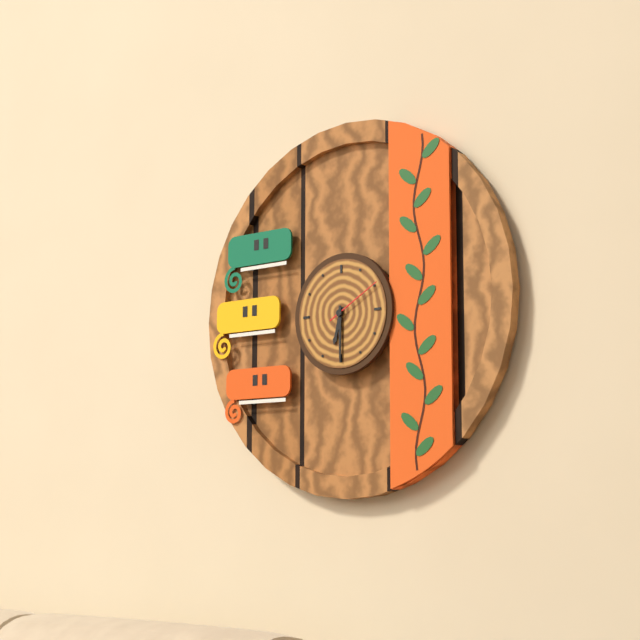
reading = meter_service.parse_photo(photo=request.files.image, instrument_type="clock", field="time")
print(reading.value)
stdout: 6:30:10
